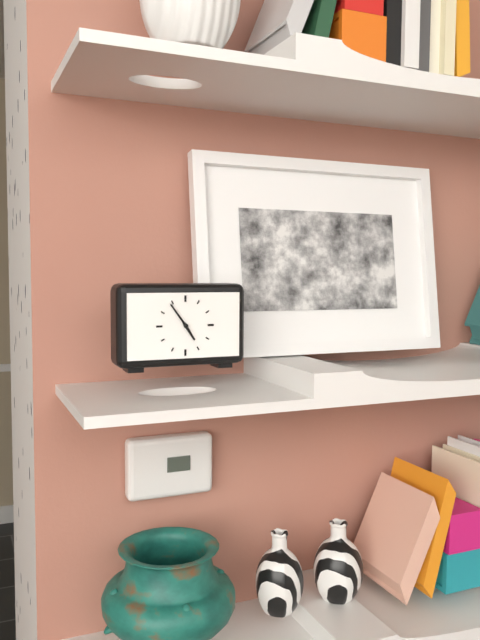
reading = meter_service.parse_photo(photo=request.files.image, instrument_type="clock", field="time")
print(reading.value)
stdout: 4:54
